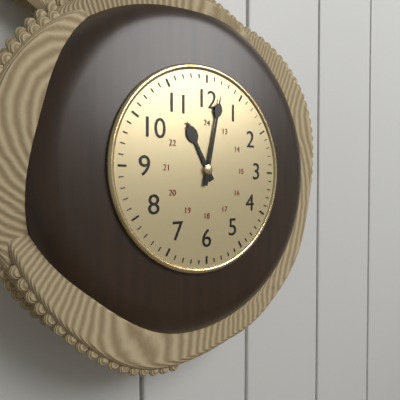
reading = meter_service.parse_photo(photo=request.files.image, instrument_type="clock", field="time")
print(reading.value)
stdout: 11:02
